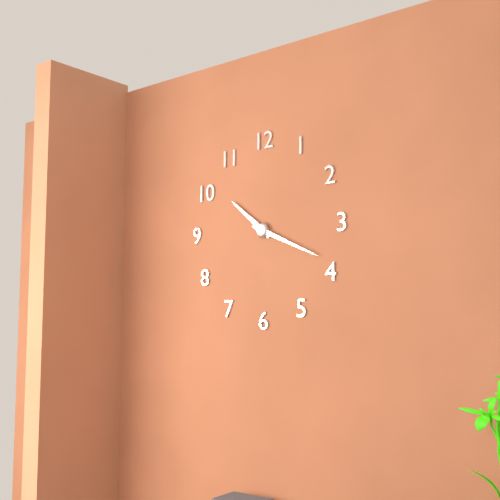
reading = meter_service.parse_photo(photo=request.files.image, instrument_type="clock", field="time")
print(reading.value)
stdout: 10:19
